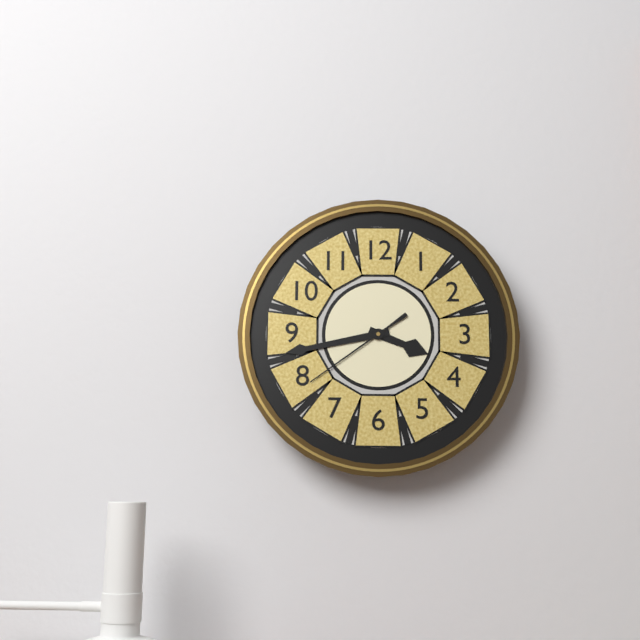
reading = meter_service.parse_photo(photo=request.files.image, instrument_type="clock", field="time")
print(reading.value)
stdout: 3:43:39
